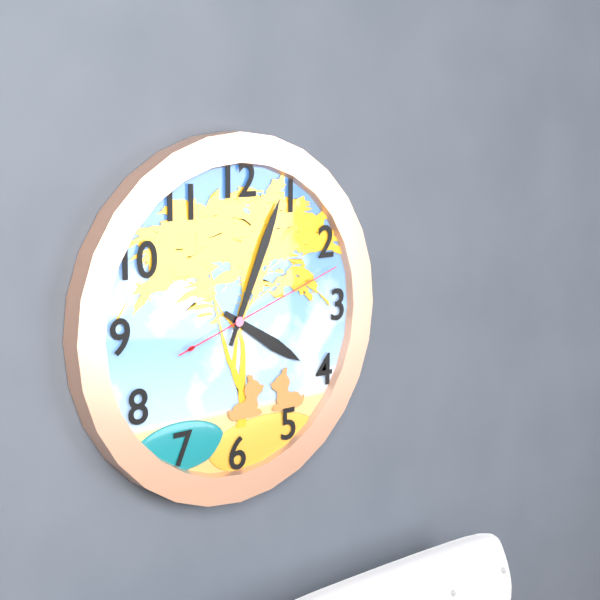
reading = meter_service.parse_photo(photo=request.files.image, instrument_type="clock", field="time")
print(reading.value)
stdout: 4:04:12
